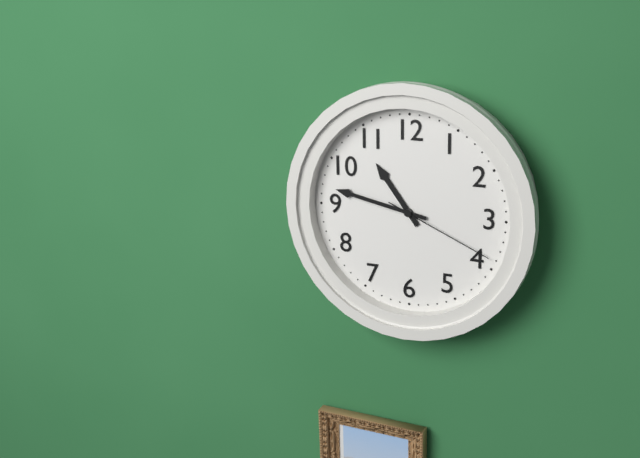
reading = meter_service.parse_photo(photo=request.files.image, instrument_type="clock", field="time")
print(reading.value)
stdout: 10:47:19
